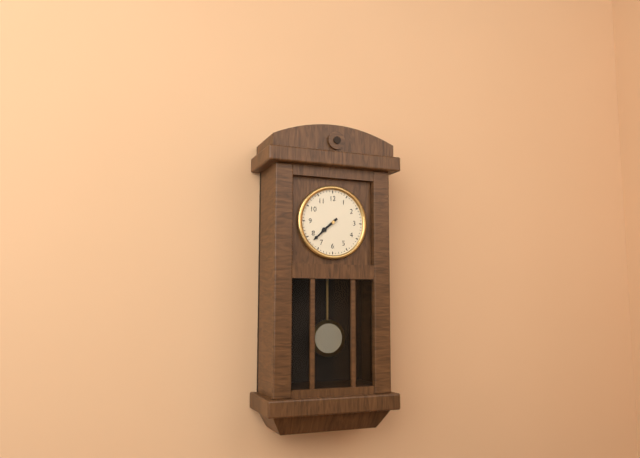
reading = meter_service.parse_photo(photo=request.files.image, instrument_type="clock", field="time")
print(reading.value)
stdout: 7:38
